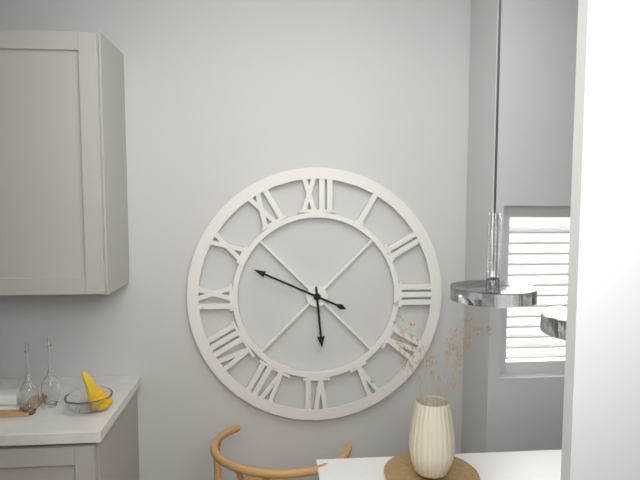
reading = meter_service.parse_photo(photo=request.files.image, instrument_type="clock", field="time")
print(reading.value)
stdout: 5:49
